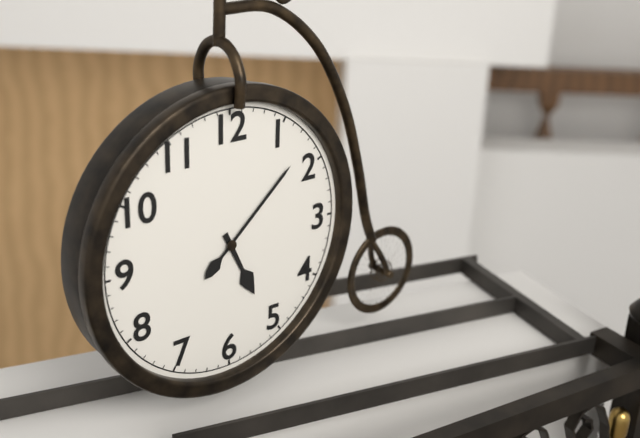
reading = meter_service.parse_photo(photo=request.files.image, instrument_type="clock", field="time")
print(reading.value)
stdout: 5:08
